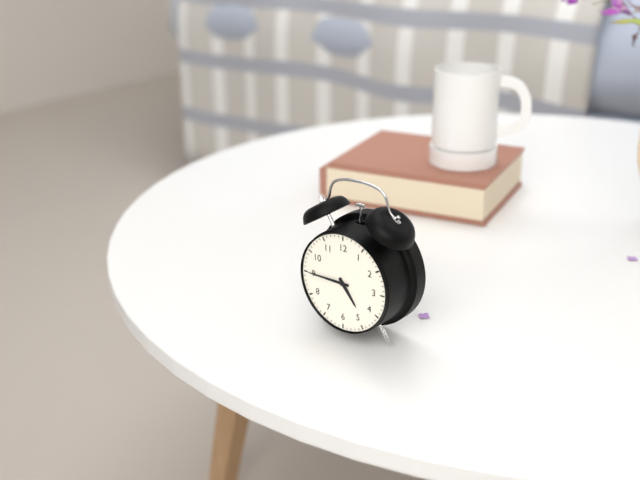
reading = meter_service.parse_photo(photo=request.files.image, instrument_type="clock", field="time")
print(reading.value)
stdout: 4:45
